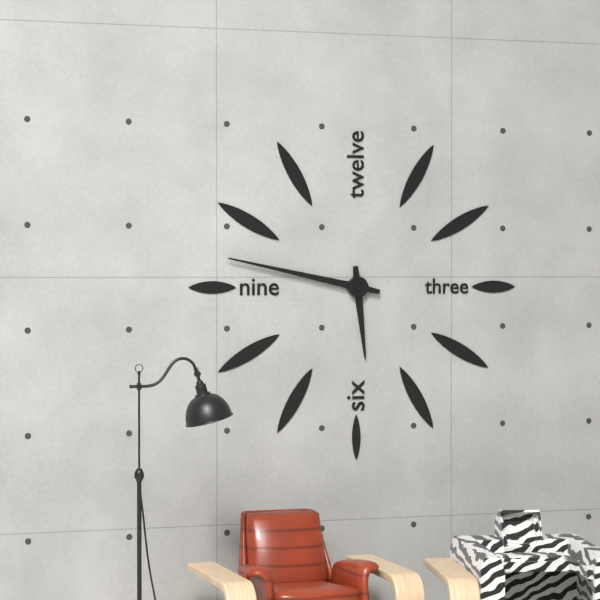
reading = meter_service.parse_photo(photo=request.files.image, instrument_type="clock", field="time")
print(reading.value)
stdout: 5:47
